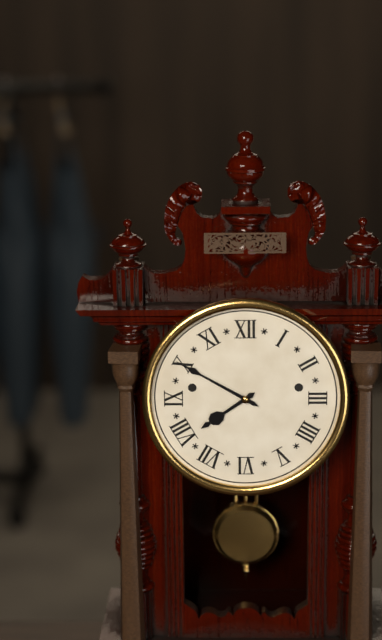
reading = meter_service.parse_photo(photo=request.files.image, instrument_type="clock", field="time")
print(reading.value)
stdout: 7:50
